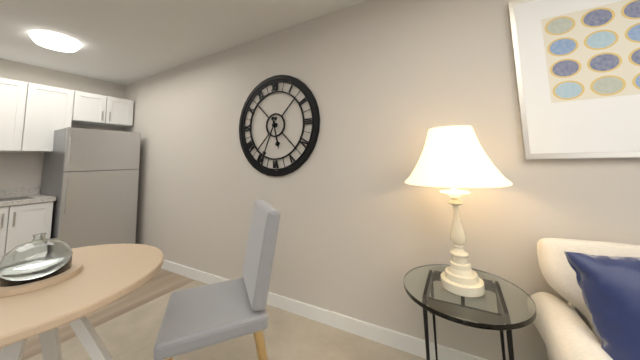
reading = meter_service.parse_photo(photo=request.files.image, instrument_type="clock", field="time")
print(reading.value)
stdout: 5:34
